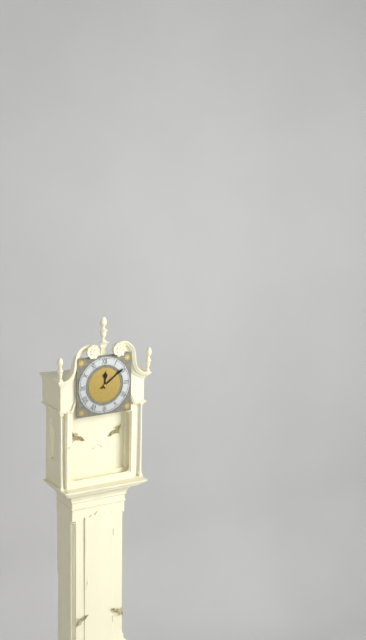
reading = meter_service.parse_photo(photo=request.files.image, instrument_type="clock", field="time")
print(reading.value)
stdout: 12:09
